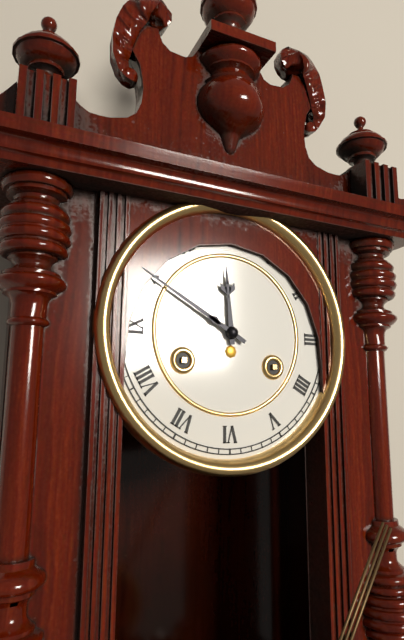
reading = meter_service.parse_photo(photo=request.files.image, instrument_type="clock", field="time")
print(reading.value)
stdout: 11:50
